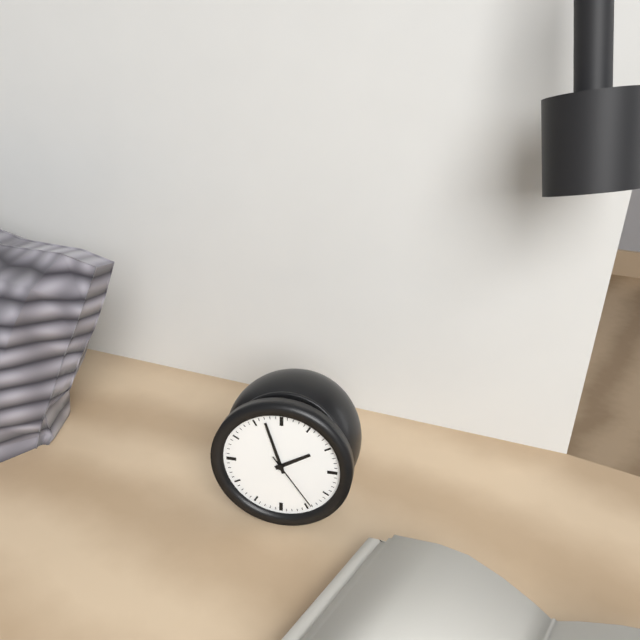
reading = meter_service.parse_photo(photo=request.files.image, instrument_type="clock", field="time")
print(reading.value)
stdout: 1:57:24
